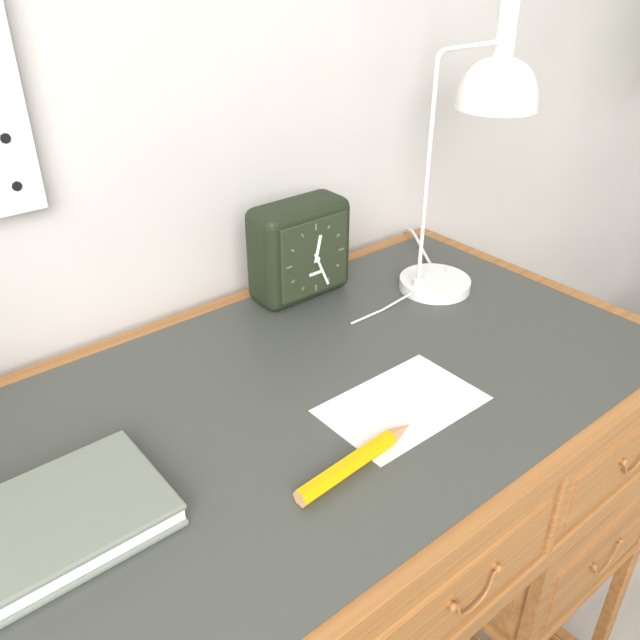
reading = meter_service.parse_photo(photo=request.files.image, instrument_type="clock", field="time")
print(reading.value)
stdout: 12:26
